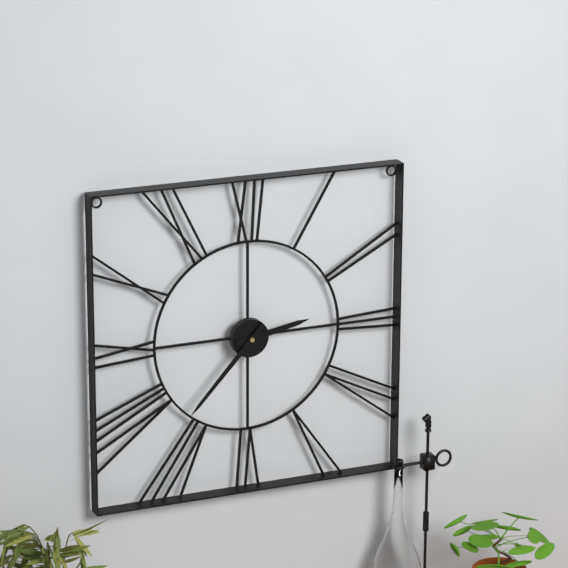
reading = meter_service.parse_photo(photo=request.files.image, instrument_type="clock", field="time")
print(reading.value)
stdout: 2:37
